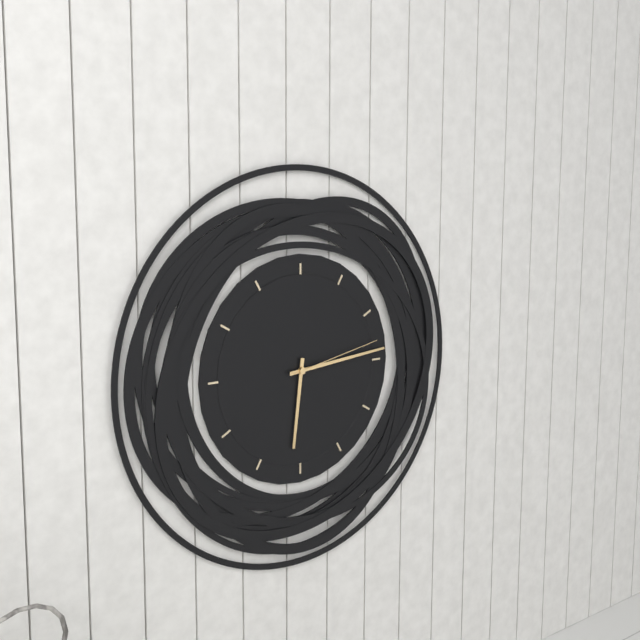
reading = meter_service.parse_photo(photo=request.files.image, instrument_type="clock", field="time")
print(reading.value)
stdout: 6:14:13
